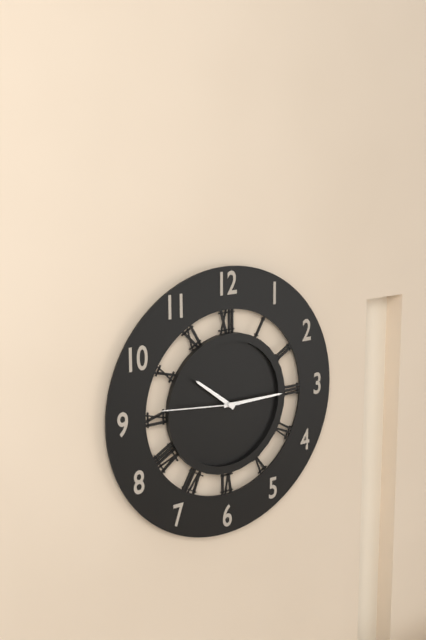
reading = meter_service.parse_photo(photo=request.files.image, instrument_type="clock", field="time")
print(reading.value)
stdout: 10:15:46
